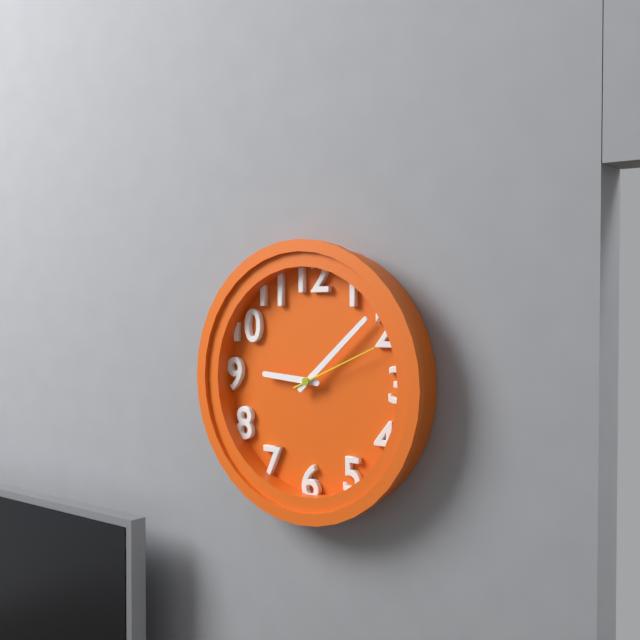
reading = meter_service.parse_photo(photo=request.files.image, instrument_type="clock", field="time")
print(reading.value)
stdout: 9:08:11
